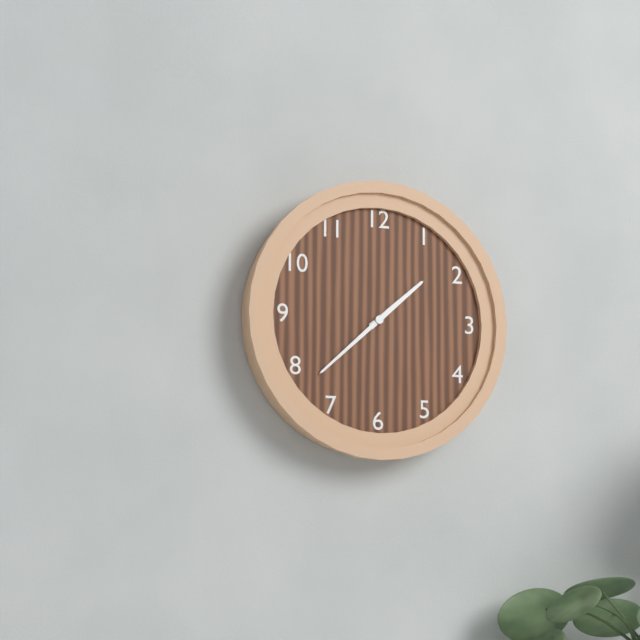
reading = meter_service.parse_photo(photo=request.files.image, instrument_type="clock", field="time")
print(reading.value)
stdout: 1:38
